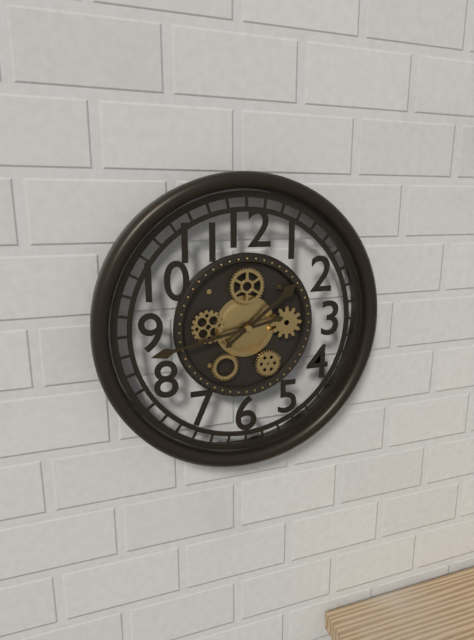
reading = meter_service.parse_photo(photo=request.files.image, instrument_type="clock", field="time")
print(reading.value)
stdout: 1:43
